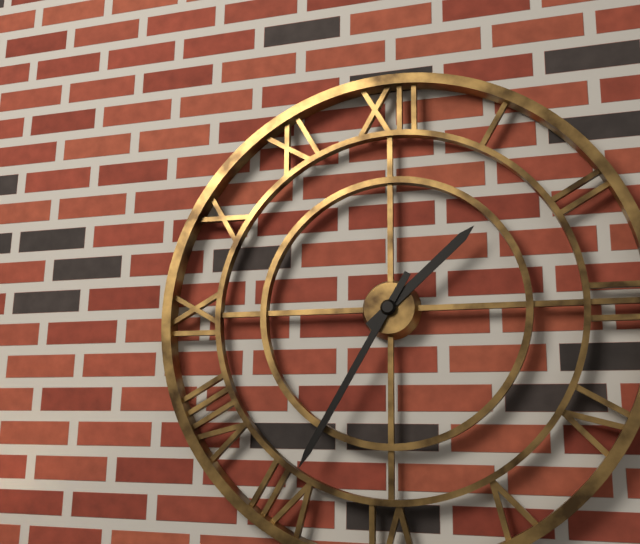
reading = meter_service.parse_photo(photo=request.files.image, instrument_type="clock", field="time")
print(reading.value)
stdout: 1:35
